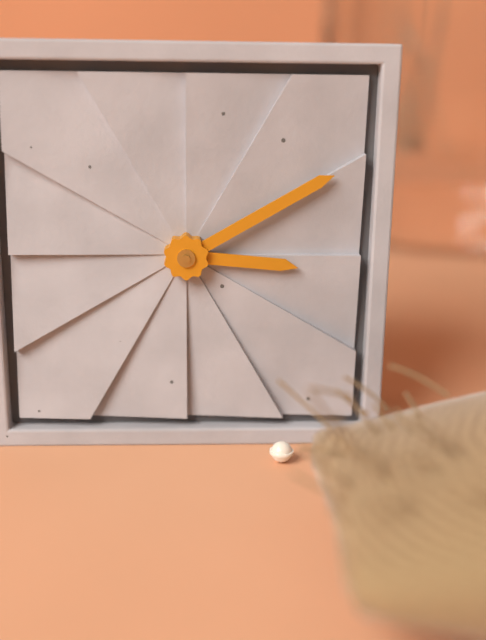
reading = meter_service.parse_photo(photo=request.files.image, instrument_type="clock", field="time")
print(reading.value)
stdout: 3:10
